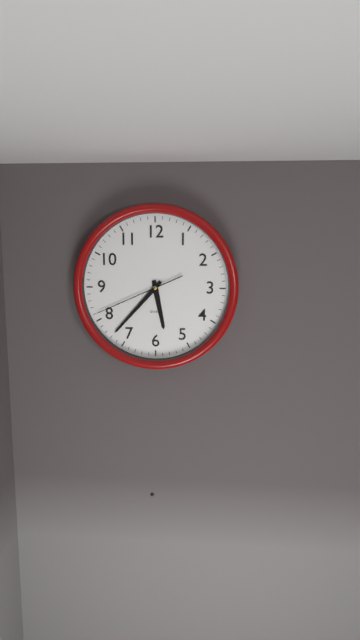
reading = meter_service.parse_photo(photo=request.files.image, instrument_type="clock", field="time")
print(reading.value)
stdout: 5:37:41
